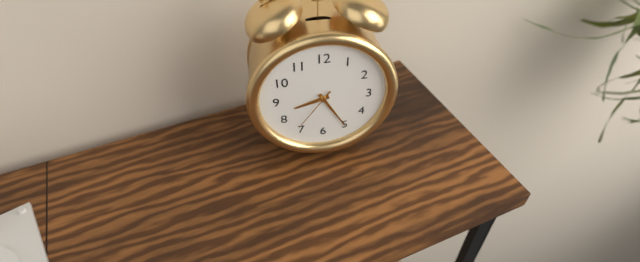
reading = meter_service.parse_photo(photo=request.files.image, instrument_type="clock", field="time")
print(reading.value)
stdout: 8:25:36
